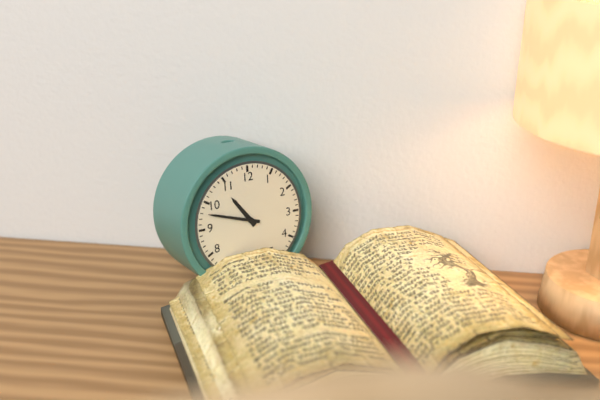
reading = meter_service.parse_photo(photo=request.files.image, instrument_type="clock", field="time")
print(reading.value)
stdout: 10:48
